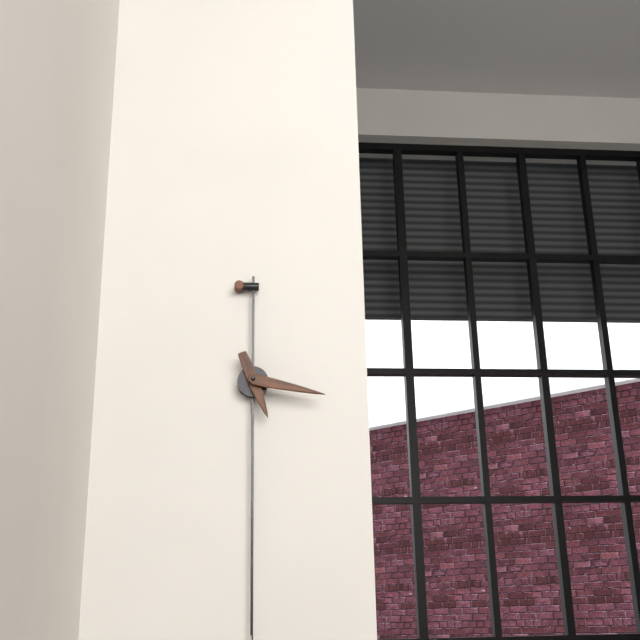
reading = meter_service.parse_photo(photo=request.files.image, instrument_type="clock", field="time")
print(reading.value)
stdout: 5:17
